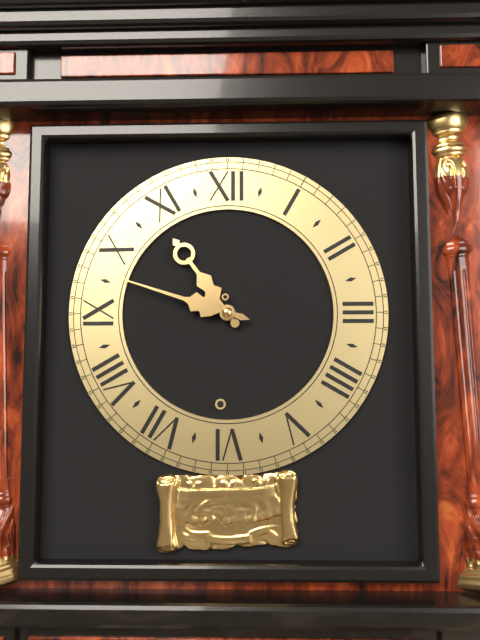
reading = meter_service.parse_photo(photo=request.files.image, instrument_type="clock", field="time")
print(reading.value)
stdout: 10:48
